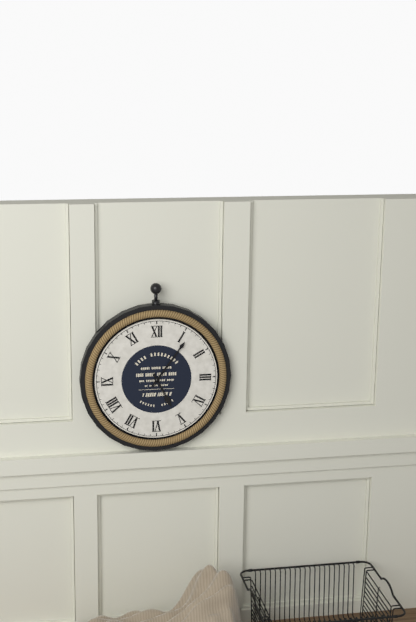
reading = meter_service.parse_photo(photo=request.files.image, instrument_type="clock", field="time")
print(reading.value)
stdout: 5:06
